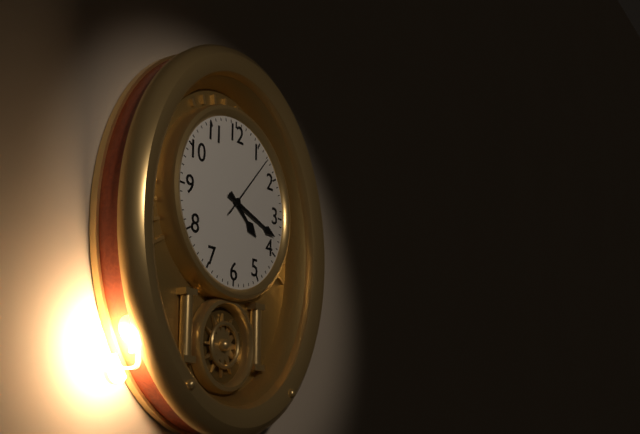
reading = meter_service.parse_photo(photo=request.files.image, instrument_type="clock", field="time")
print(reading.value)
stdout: 4:18:07
